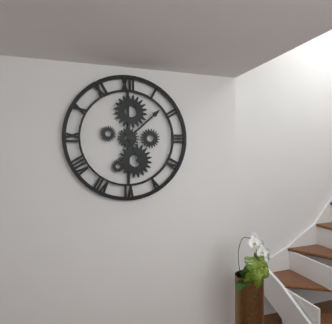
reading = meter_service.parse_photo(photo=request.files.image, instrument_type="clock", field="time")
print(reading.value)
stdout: 5:08
